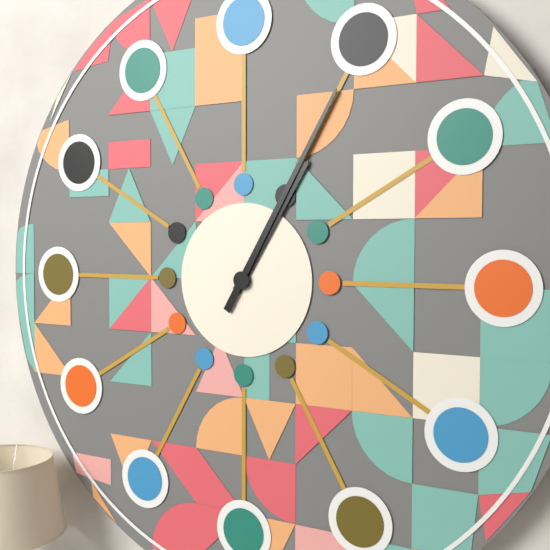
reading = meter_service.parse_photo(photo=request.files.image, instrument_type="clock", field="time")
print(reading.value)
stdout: 1:05
